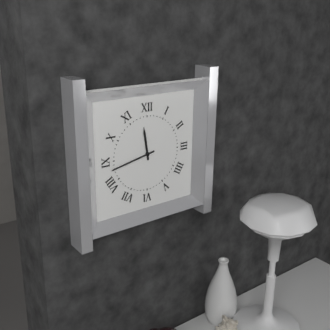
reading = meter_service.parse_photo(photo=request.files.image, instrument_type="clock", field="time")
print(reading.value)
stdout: 11:43
